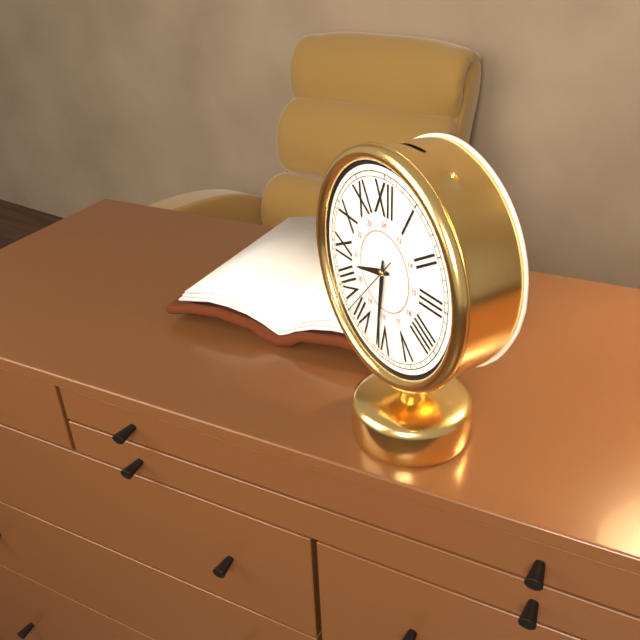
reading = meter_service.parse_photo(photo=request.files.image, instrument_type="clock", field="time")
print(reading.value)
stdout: 8:31:37
